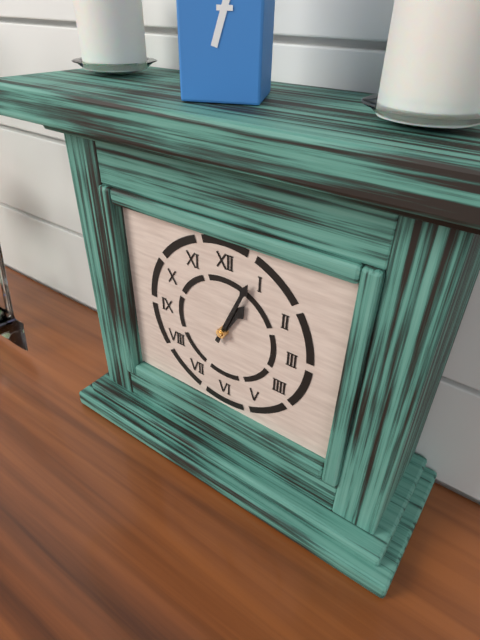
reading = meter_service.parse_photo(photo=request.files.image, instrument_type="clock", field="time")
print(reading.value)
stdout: 1:04
